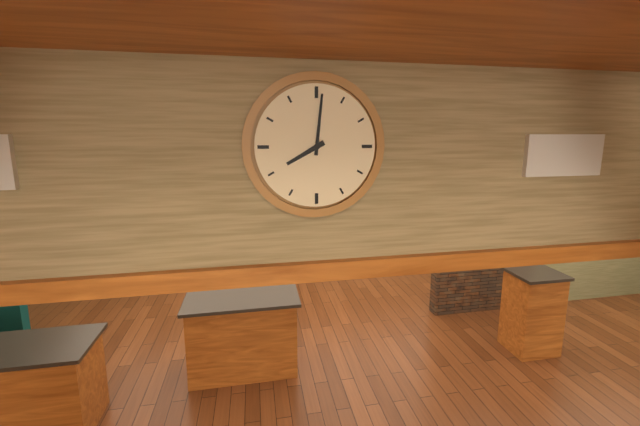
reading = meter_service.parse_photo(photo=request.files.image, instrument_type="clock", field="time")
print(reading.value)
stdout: 8:01
